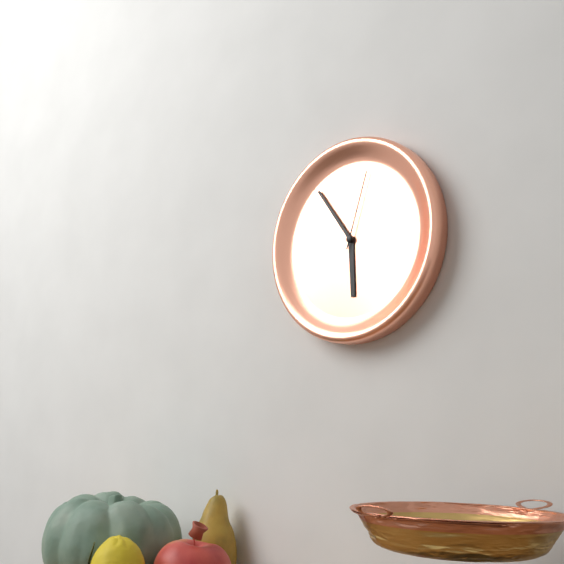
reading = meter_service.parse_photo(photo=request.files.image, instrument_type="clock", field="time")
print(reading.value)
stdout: 5:54:03
